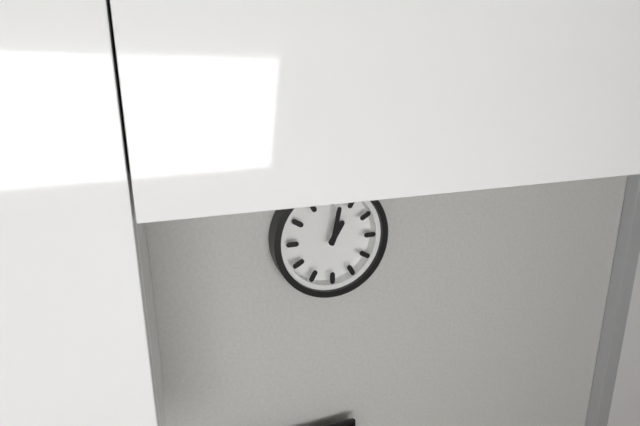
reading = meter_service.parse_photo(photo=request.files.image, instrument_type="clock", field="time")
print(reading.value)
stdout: 1:02
